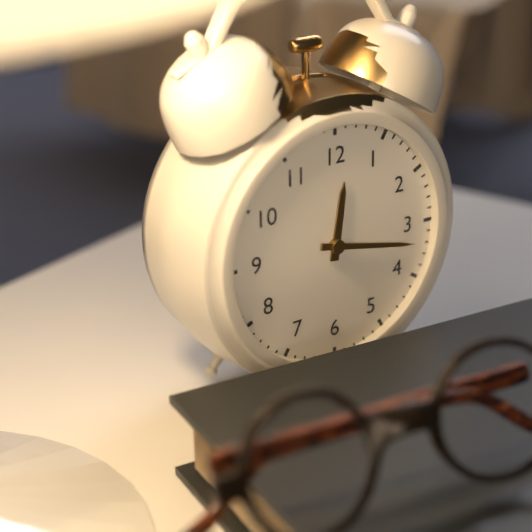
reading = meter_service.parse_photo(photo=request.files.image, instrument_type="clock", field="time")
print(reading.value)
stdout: 12:17
